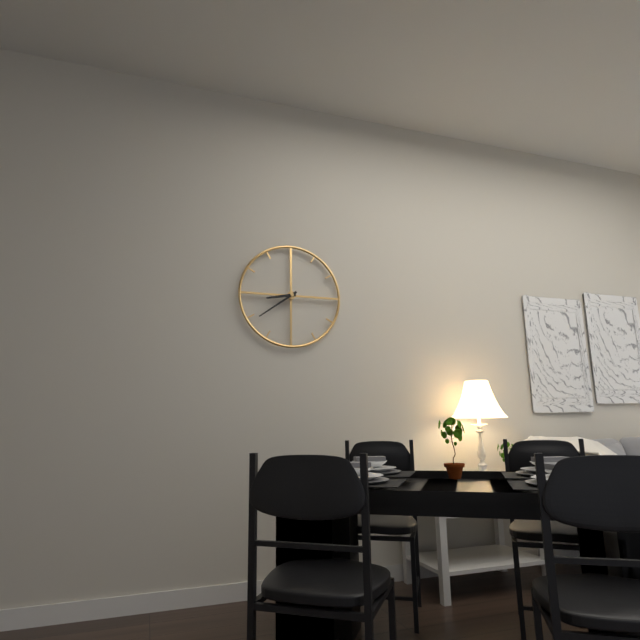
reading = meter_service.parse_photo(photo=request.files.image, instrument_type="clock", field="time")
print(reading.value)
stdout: 8:39
